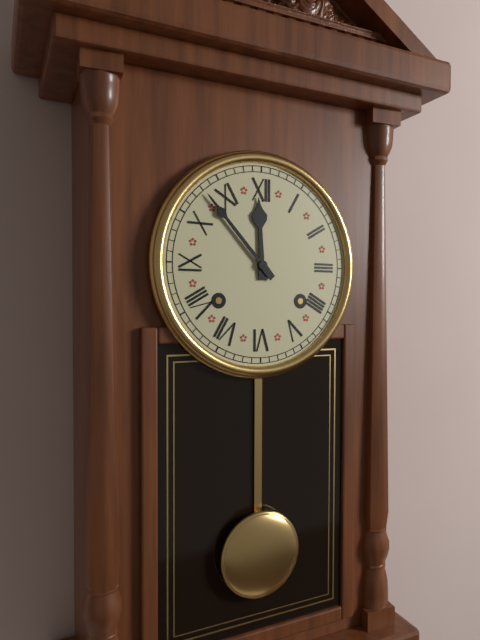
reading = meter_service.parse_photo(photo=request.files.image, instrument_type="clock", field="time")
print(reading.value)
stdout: 11:53
